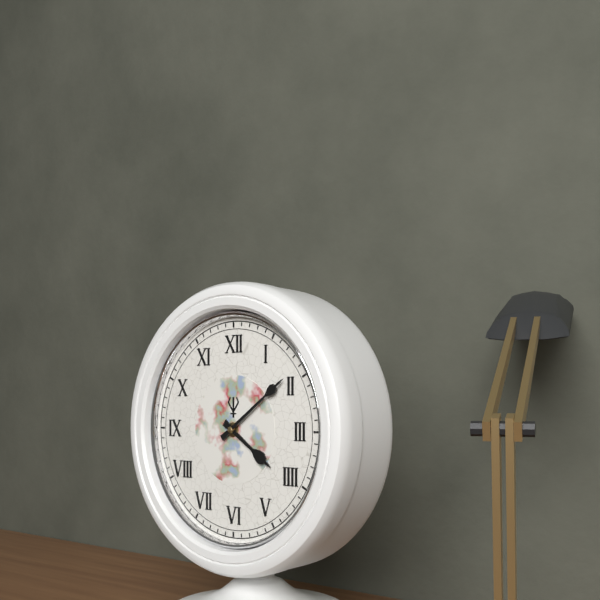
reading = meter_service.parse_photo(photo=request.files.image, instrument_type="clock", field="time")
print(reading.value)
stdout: 4:09
